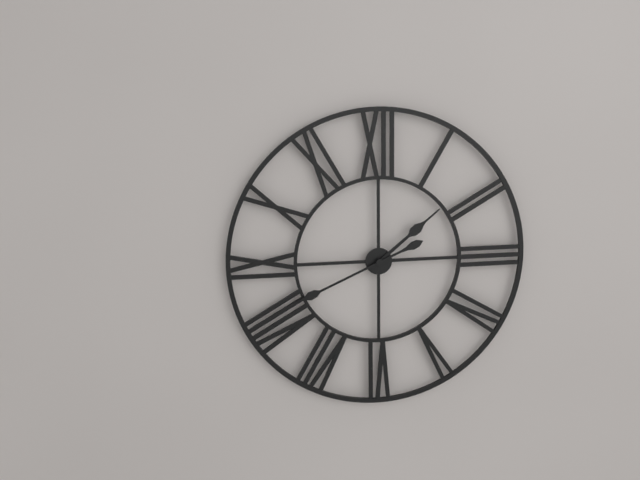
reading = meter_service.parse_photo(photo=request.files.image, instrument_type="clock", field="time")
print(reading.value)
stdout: 1:41
